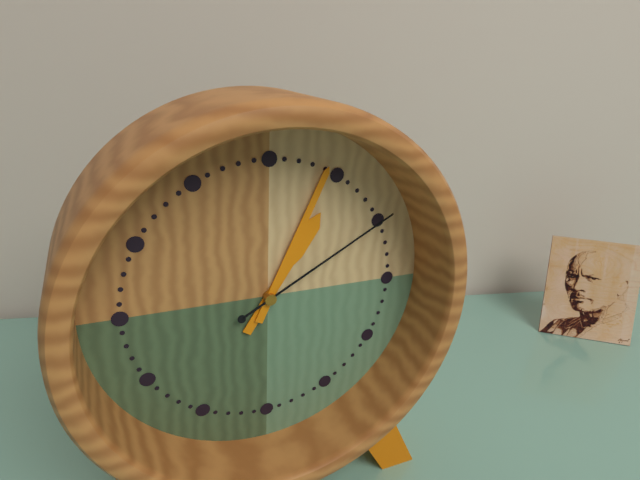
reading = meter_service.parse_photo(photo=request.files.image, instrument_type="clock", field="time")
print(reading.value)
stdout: 1:04:10
